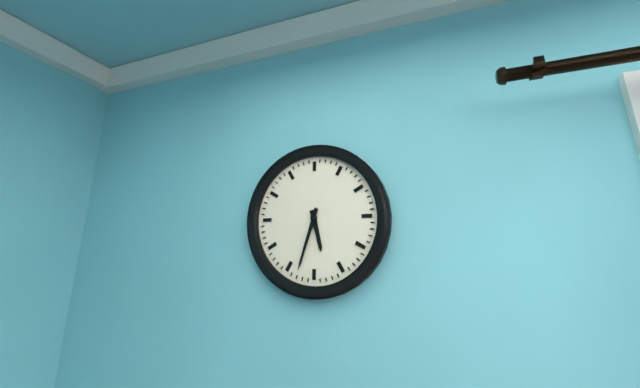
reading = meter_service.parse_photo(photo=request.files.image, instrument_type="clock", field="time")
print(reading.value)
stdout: 5:33
